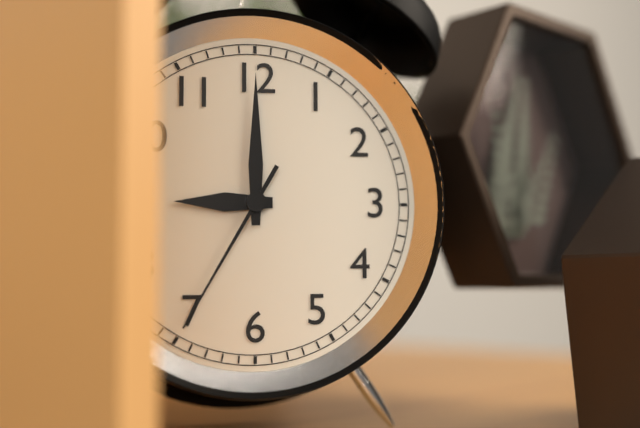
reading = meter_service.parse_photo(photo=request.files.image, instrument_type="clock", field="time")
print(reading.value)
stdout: 9:00:35
